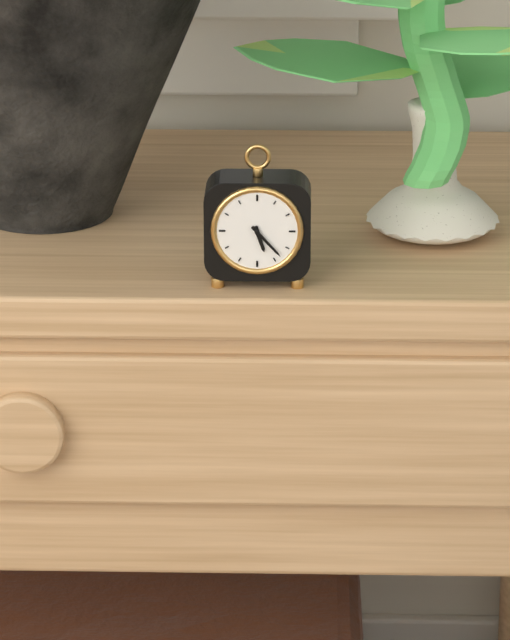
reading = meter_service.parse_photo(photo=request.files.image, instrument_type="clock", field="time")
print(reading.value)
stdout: 5:23
